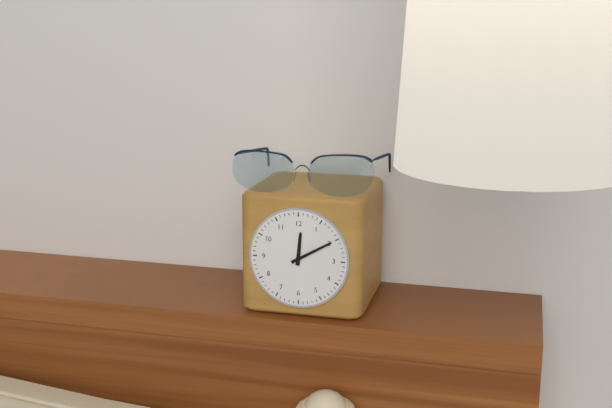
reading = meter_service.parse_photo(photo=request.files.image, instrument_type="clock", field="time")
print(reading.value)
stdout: 12:10
